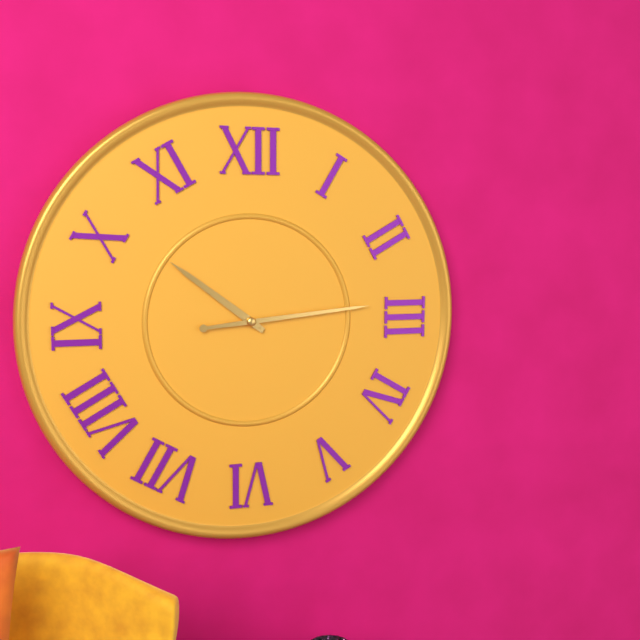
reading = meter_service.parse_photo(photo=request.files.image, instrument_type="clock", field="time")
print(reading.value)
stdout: 10:14
